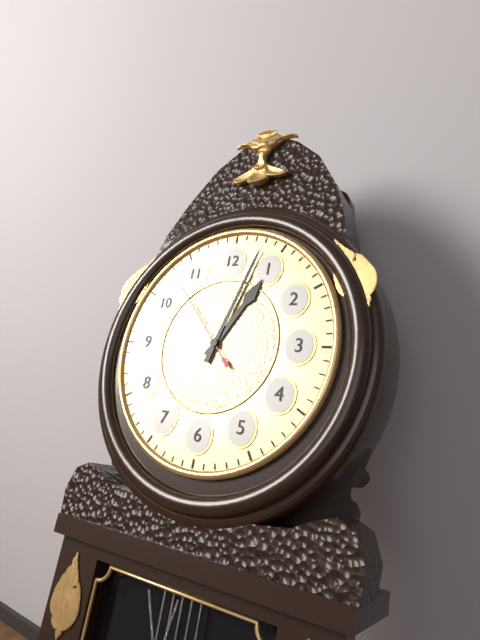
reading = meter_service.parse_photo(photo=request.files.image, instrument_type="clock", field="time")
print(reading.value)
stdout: 1:03:53
